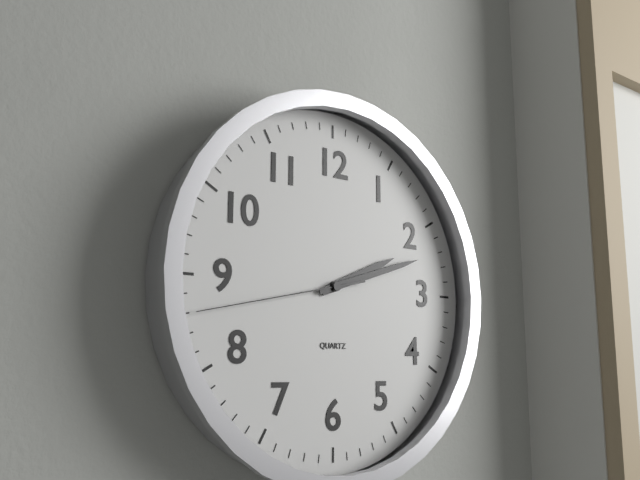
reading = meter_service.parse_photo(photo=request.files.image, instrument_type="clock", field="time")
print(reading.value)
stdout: 2:12:43
